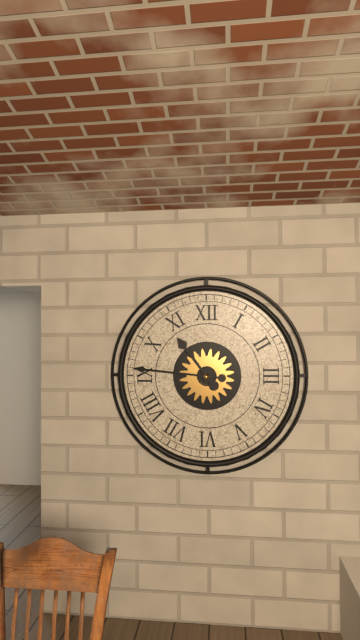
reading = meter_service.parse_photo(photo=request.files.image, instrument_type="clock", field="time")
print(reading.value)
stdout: 10:46
